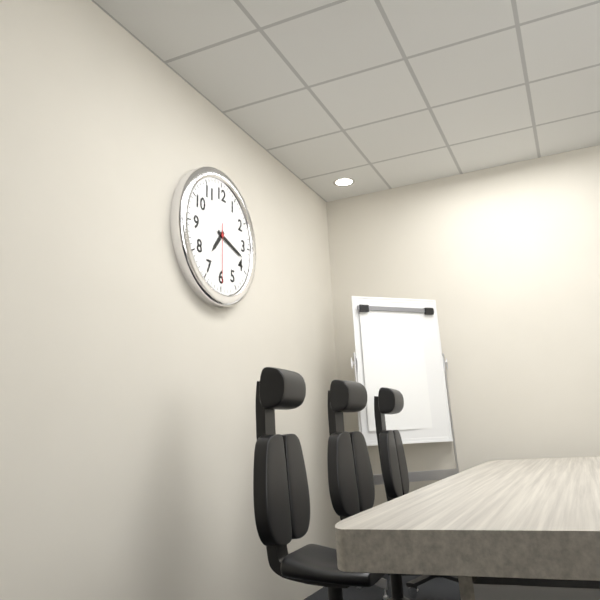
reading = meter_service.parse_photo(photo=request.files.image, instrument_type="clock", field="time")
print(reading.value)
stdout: 7:18:30
